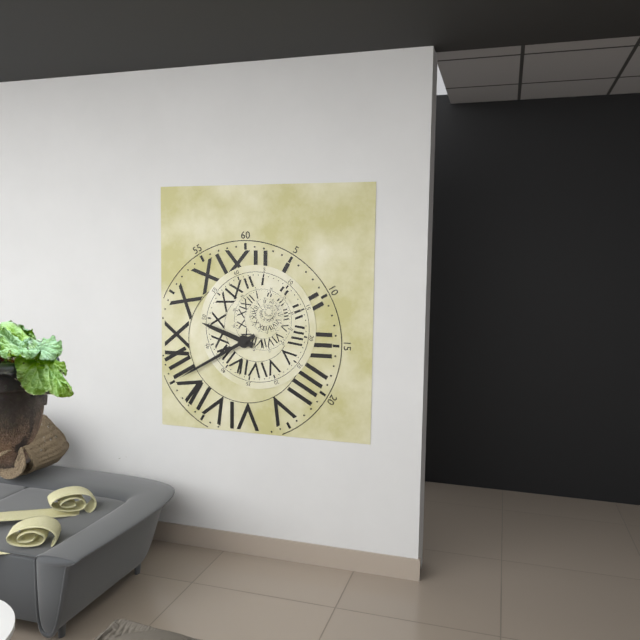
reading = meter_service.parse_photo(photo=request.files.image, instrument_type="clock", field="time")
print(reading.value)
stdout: 9:40
